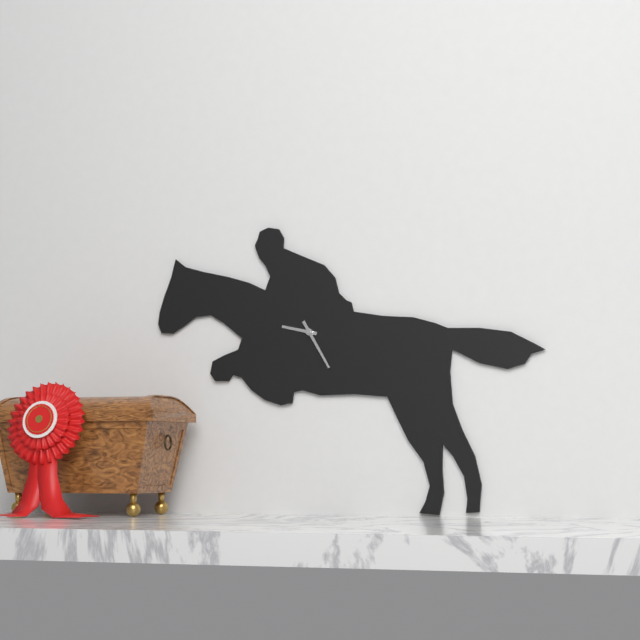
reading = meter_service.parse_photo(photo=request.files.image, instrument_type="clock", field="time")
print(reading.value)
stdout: 9:25
